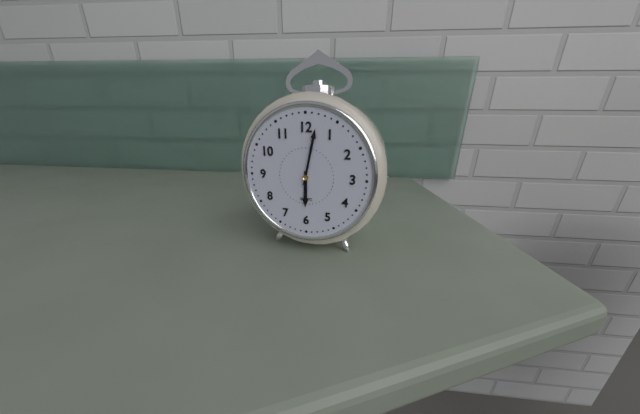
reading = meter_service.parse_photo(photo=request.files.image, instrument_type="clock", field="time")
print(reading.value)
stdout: 6:02
